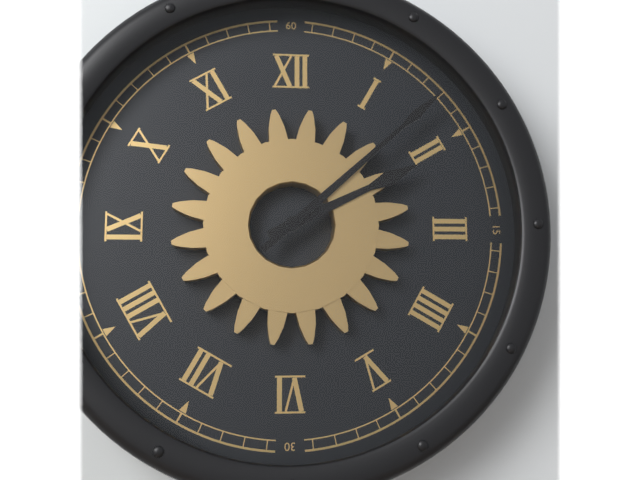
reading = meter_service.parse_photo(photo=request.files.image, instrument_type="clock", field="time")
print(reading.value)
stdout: 2:08
